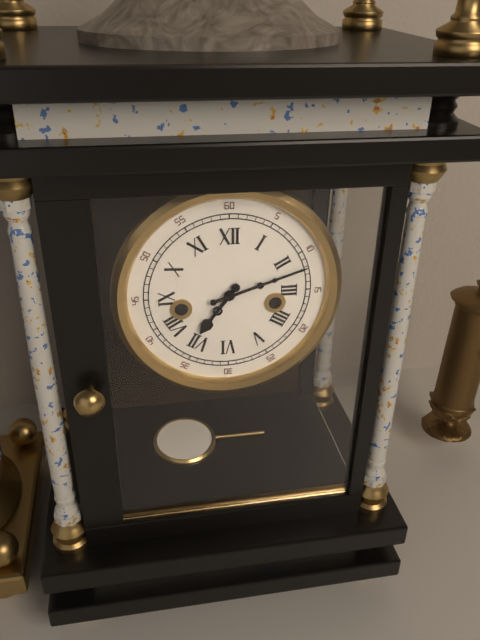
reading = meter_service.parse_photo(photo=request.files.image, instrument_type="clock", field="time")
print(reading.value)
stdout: 7:12
